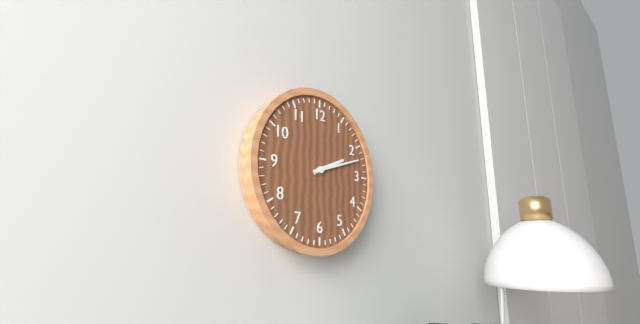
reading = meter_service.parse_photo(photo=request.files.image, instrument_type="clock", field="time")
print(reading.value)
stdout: 2:12
